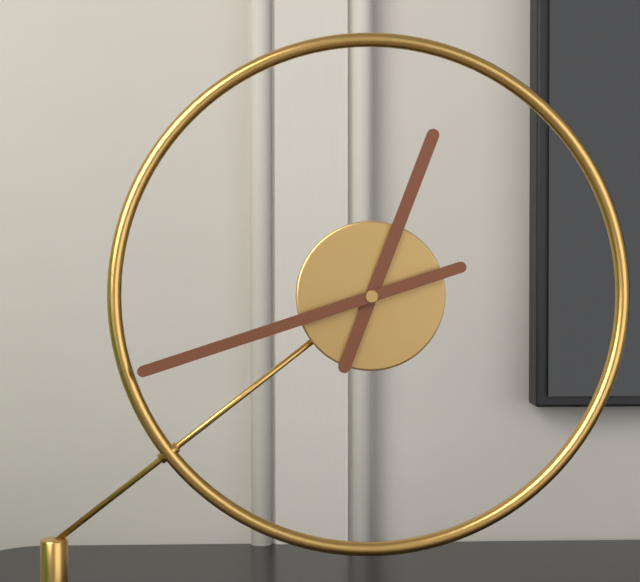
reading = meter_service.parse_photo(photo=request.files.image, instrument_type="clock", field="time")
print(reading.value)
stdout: 12:42
